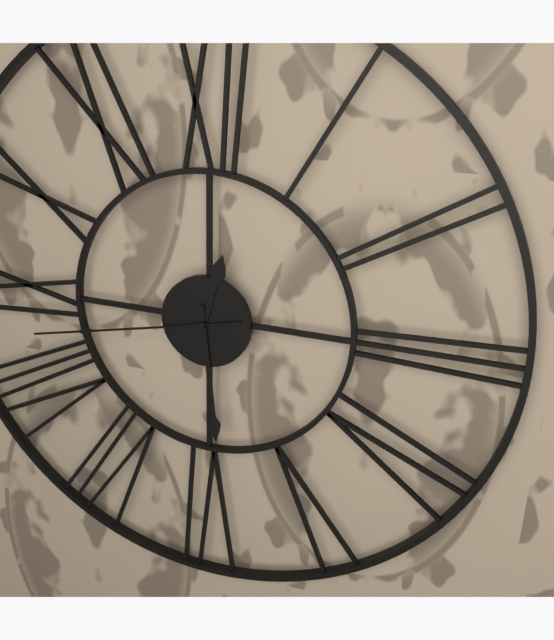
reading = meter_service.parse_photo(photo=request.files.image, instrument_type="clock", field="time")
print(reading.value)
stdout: 12:29:43
